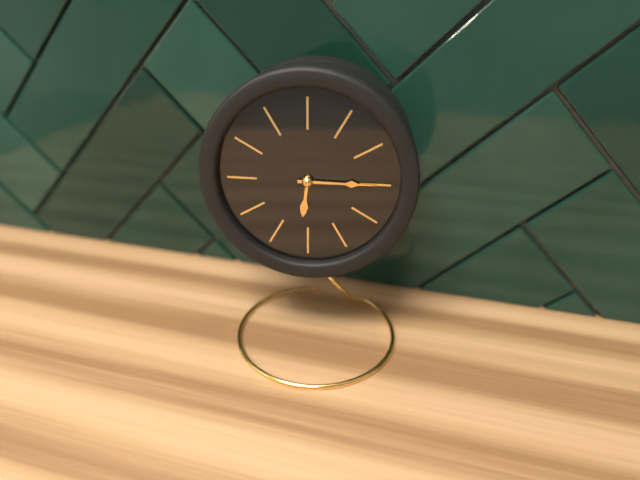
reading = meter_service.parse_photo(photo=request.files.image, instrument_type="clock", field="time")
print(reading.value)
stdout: 6:15
